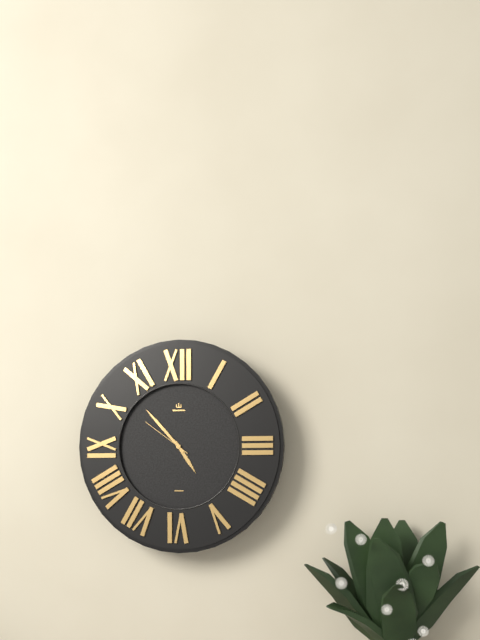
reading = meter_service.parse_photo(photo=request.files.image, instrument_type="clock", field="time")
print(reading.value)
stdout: 4:53:51
